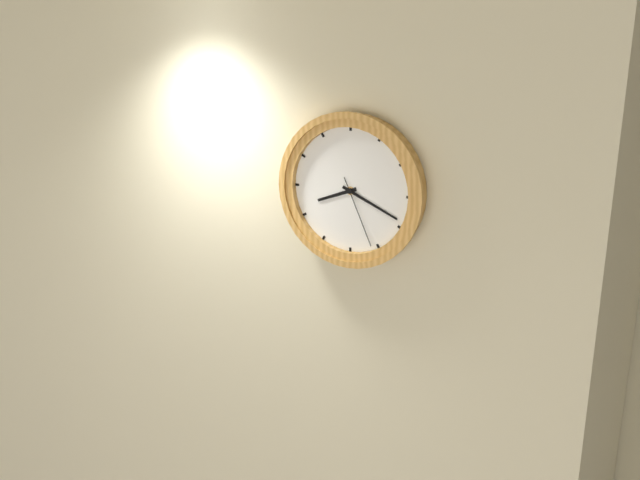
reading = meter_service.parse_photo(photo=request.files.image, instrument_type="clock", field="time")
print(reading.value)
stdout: 8:19:26
